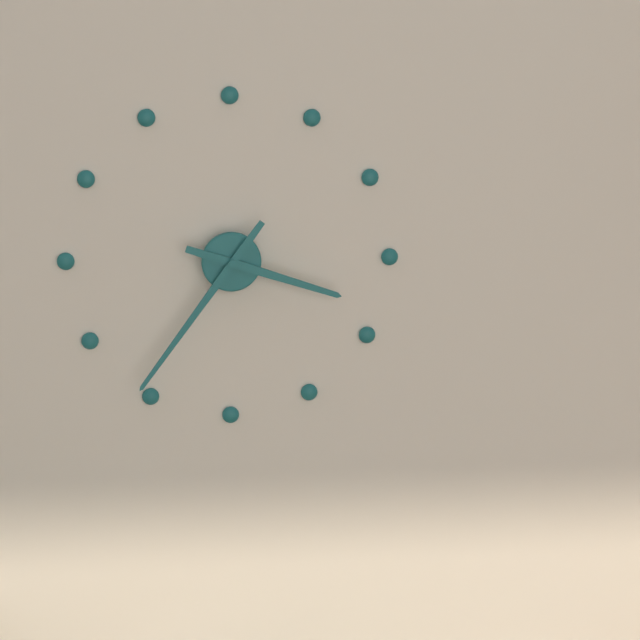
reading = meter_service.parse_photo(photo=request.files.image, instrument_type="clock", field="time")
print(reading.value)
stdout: 3:36
